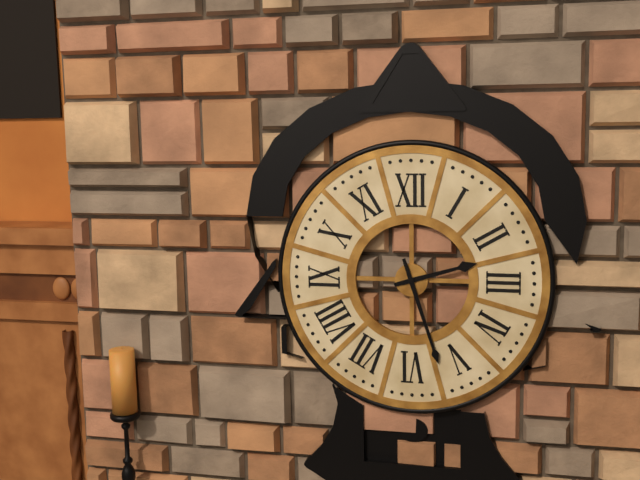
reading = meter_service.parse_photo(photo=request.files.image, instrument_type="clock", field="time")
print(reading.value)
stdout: 2:27
